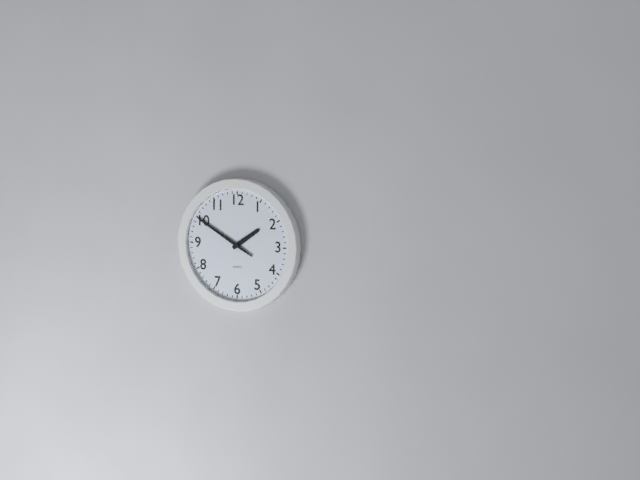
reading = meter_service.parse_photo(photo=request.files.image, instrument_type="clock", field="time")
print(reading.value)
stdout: 1:50
